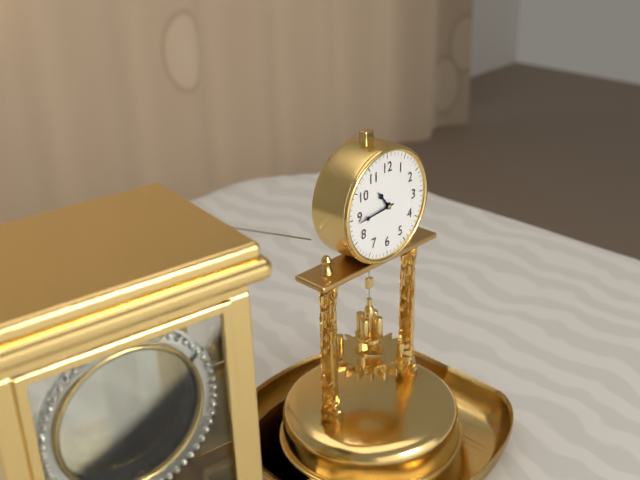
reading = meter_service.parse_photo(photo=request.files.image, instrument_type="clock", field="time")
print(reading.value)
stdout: 10:44
